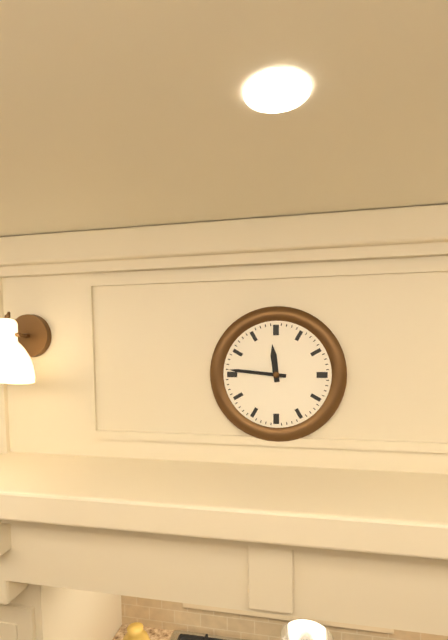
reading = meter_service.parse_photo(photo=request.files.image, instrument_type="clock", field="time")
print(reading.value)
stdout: 11:46
